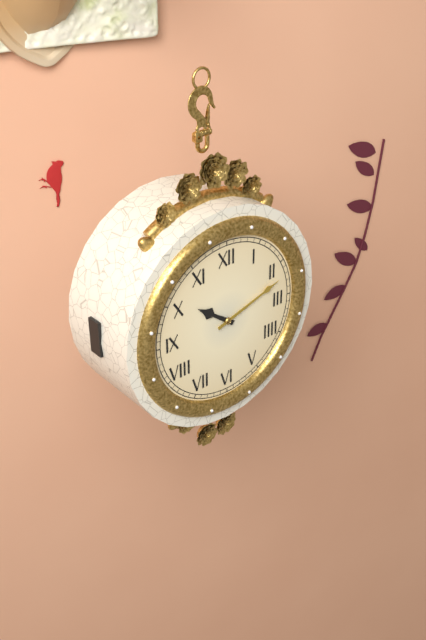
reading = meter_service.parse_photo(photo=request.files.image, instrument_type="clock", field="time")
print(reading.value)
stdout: 10:12
